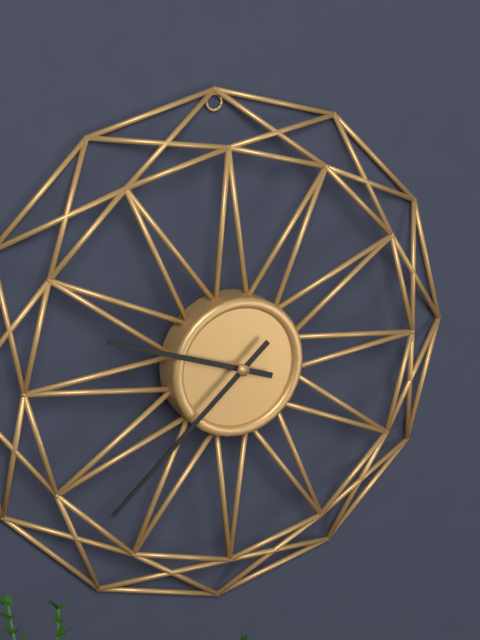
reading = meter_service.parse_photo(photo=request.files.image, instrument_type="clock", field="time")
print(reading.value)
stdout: 9:38
